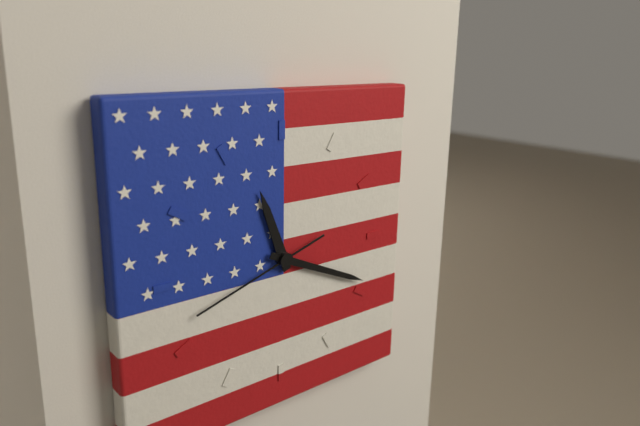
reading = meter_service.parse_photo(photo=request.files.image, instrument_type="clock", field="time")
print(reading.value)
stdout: 11:19:42
